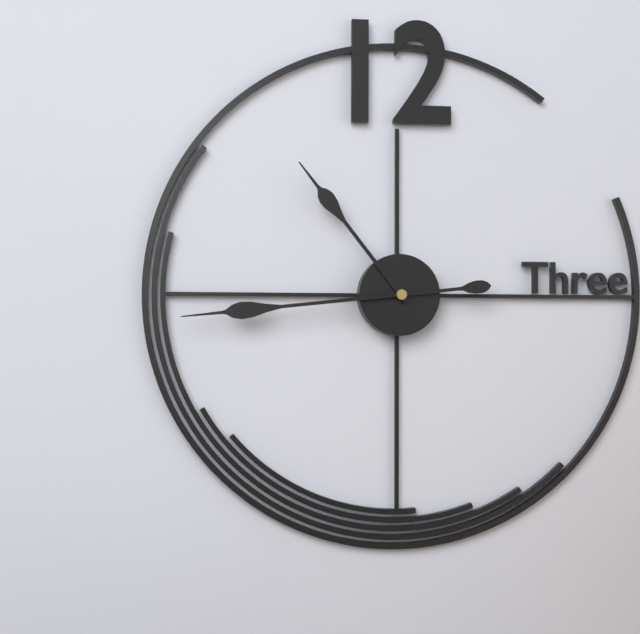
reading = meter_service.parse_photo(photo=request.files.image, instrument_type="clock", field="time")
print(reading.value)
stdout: 10:44
